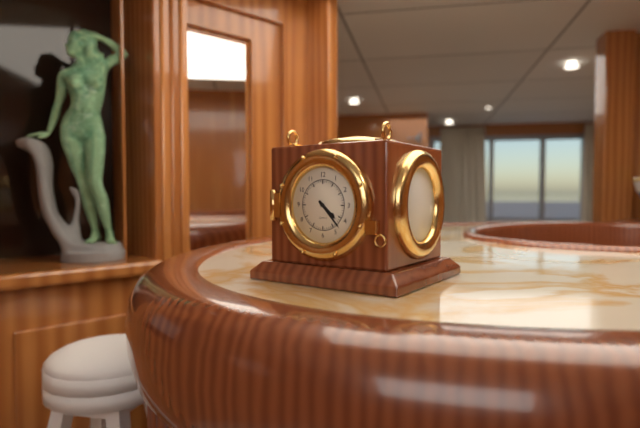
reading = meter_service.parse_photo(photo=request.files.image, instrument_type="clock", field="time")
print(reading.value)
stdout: 4:23
